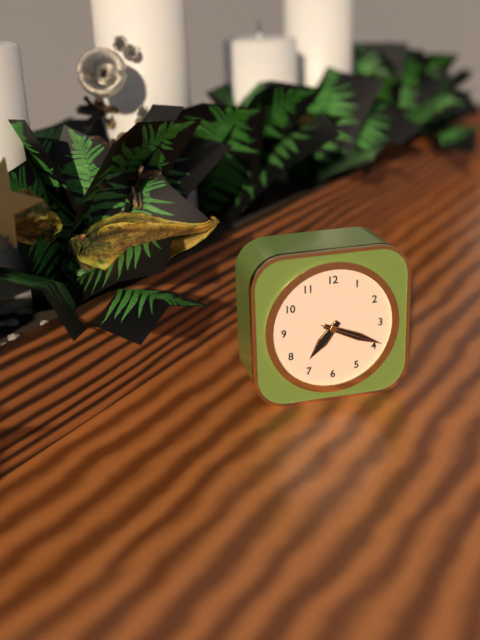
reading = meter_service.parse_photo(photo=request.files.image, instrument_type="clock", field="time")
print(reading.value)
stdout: 7:19:19
